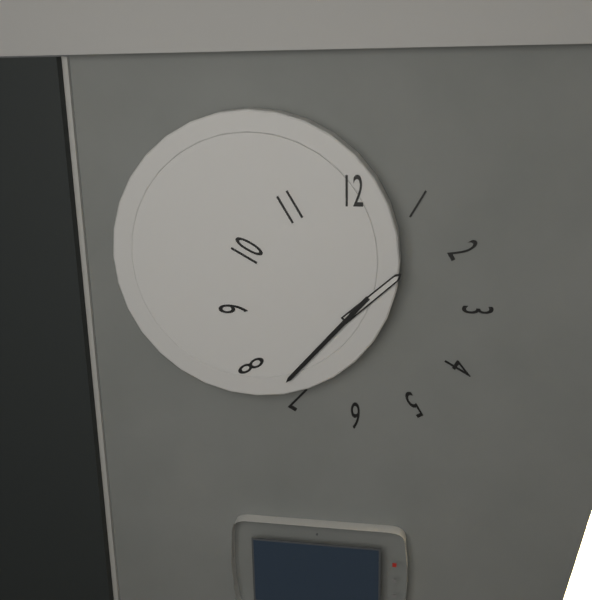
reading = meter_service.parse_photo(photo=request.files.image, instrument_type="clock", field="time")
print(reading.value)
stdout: 1:37
